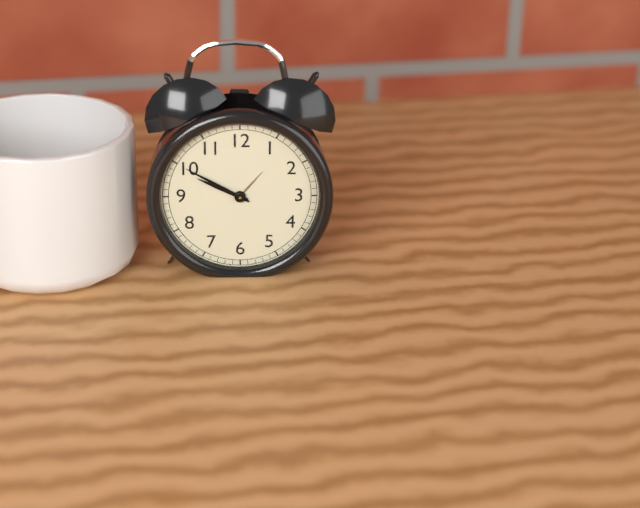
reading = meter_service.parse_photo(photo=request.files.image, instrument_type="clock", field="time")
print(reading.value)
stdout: 9:50
